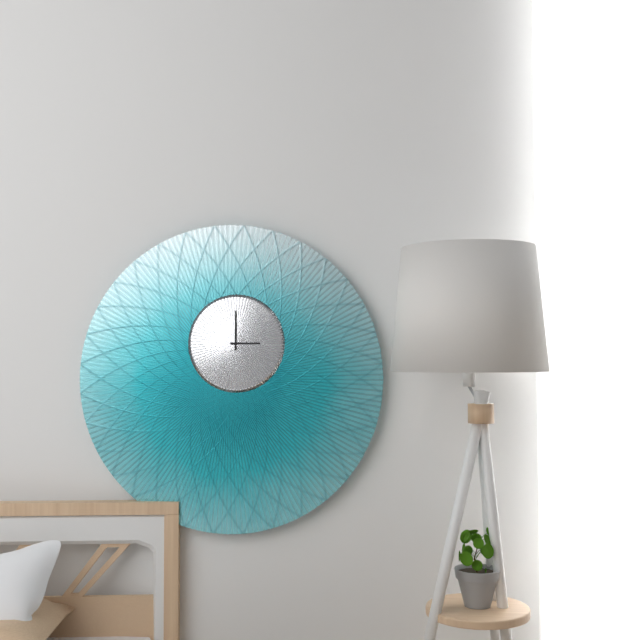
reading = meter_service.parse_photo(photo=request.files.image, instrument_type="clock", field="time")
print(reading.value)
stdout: 3:00
